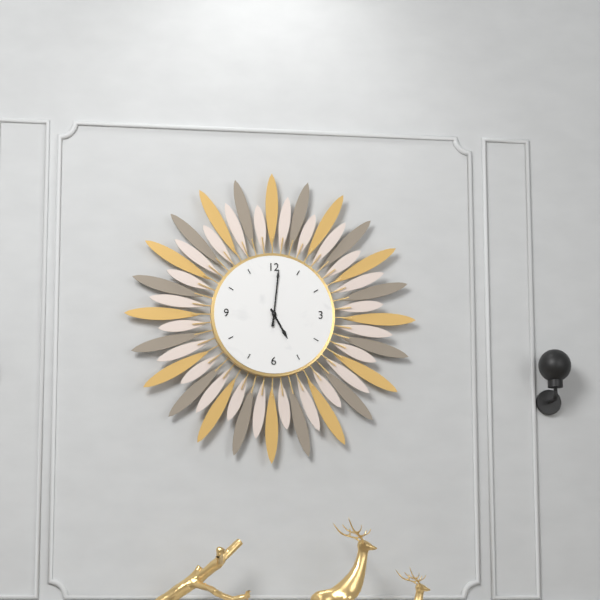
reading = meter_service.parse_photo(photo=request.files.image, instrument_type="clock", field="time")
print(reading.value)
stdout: 5:01
